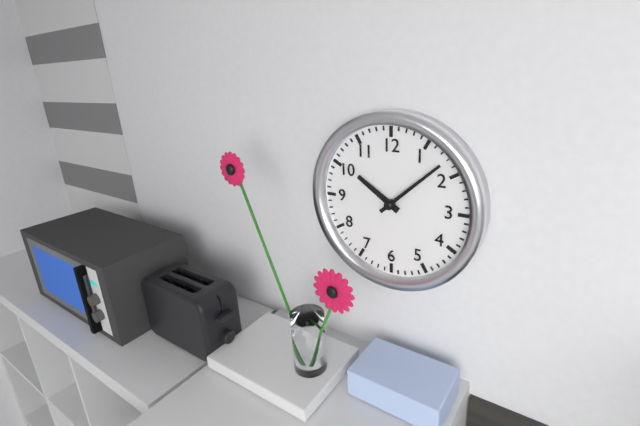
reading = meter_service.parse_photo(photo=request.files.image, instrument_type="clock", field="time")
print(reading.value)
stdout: 10:08
